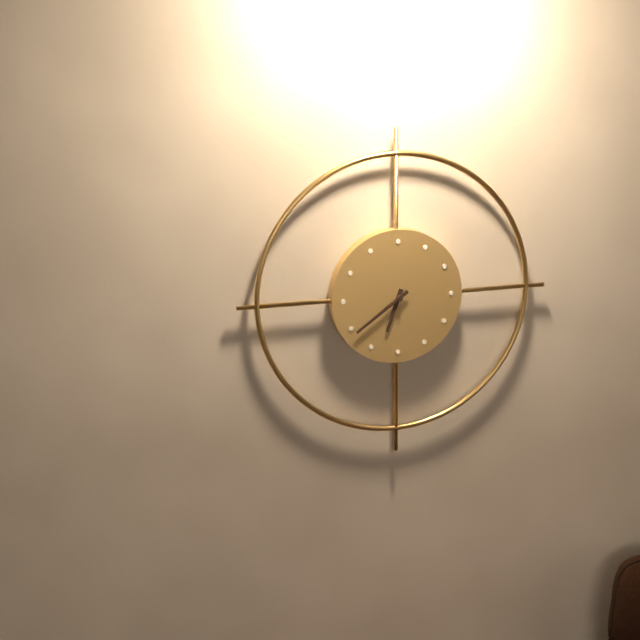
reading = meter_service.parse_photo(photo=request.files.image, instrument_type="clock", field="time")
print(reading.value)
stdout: 6:39
